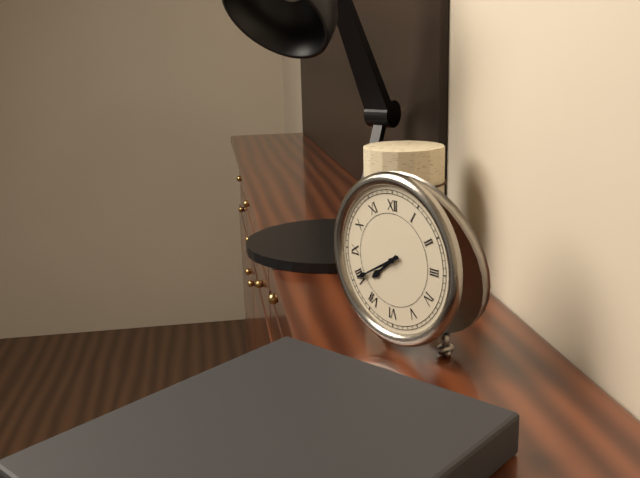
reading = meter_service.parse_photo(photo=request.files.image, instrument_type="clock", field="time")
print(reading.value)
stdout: 7:40
